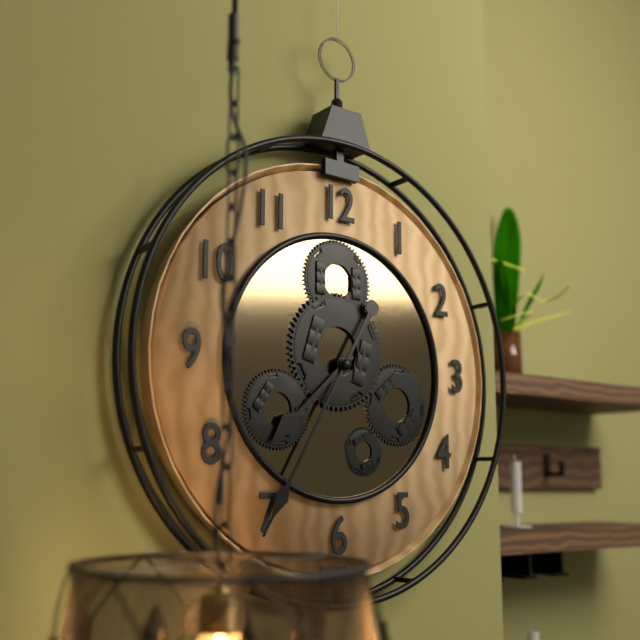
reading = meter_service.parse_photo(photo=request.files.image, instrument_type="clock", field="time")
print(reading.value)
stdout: 7:35
